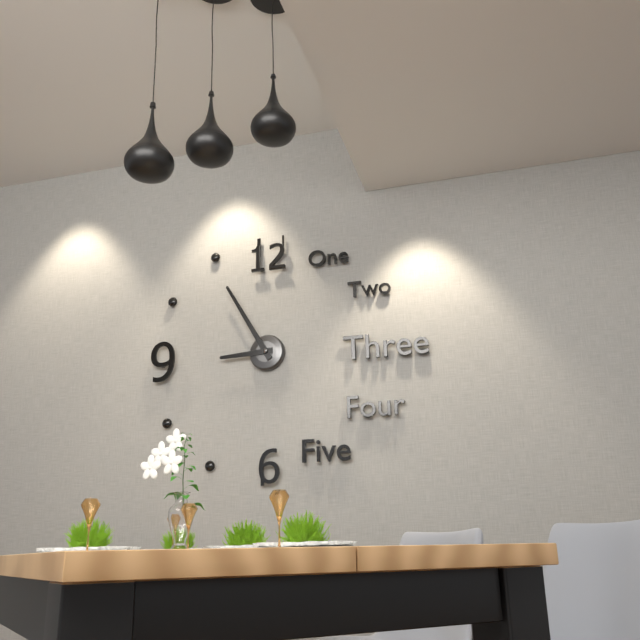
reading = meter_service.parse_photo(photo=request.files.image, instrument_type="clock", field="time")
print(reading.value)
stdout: 8:55
